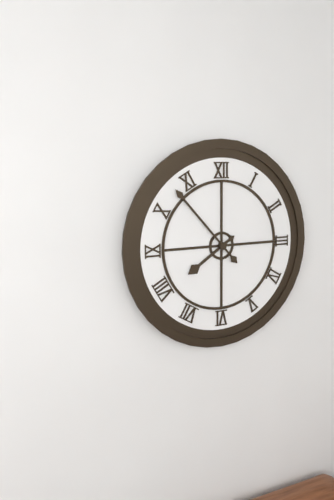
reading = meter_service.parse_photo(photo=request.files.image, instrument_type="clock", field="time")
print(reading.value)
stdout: 7:53
